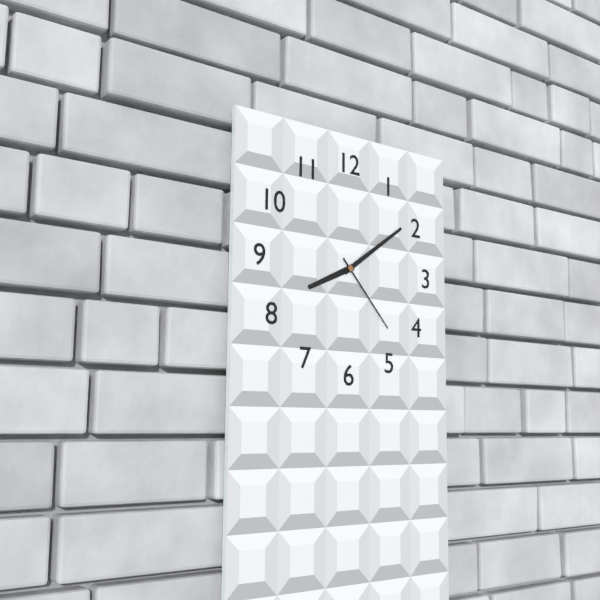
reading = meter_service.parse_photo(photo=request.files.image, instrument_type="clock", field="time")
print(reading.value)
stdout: 8:09:23
